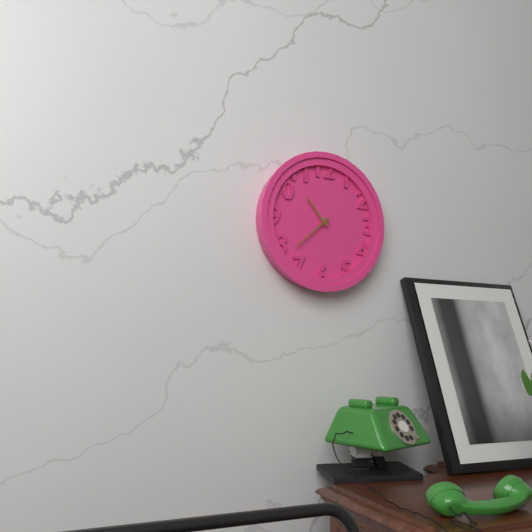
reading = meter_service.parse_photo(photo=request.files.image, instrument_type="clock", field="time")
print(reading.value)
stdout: 10:38
